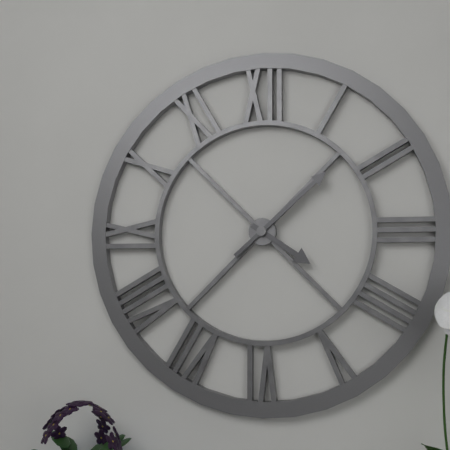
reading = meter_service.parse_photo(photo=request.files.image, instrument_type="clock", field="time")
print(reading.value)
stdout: 4:08
